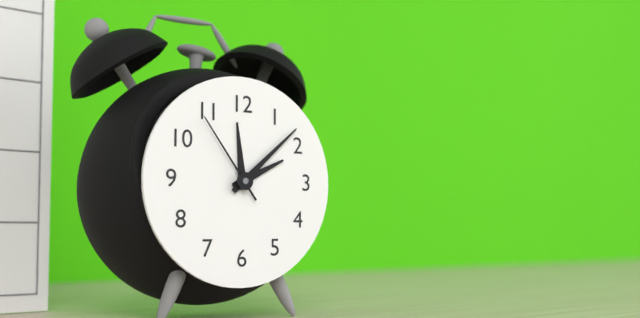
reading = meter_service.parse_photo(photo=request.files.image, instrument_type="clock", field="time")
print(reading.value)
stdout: 2:08:54
